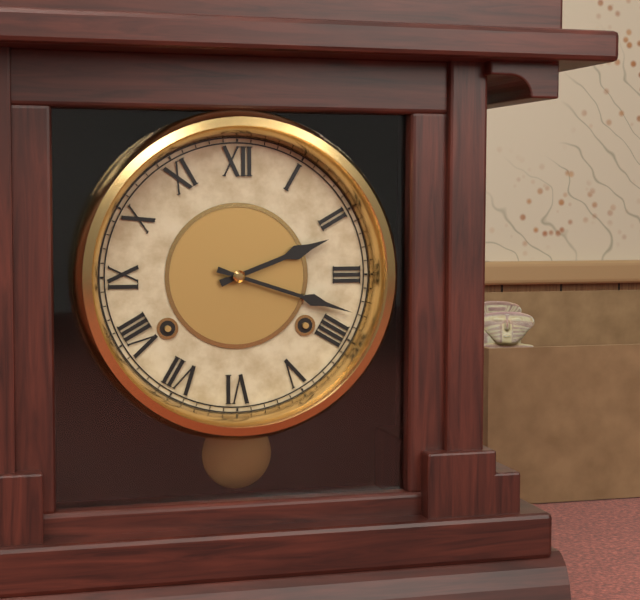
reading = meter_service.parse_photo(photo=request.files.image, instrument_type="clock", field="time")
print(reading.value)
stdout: 2:18
